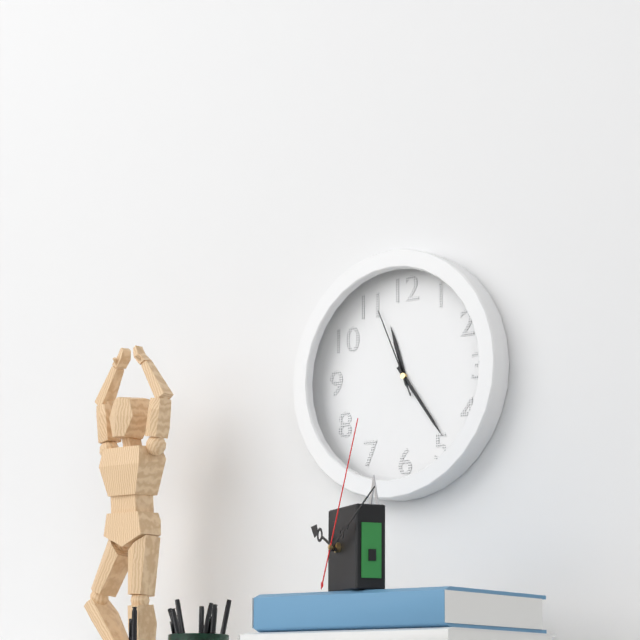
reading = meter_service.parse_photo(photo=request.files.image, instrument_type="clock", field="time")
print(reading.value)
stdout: 11:24:56
